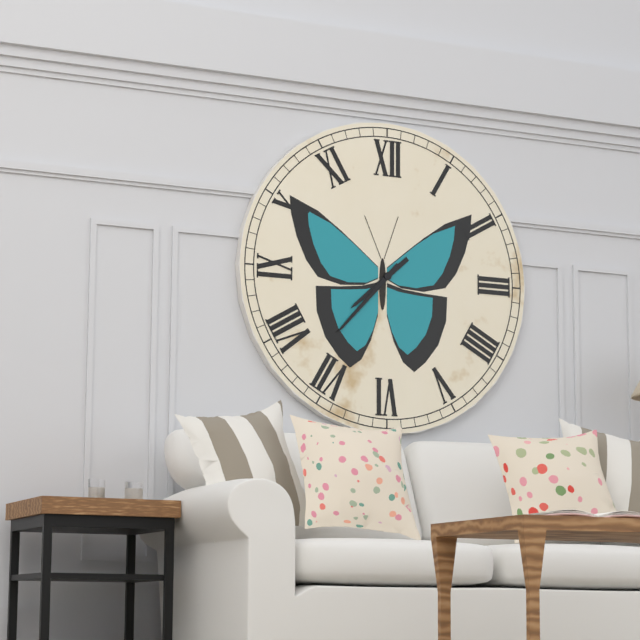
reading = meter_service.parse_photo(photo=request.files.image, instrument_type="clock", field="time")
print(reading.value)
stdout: 7:37
